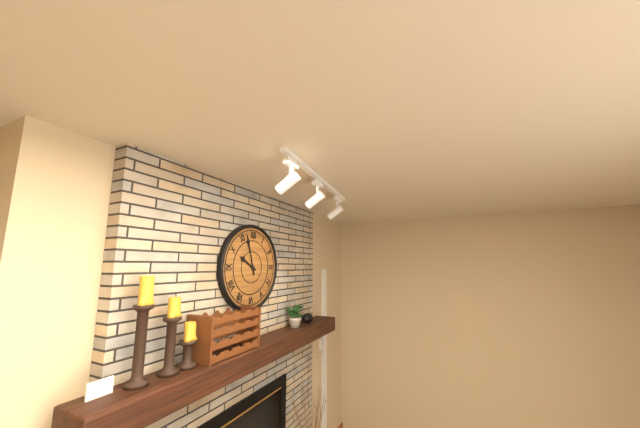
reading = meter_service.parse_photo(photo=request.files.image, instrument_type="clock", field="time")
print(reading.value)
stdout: 9:57
